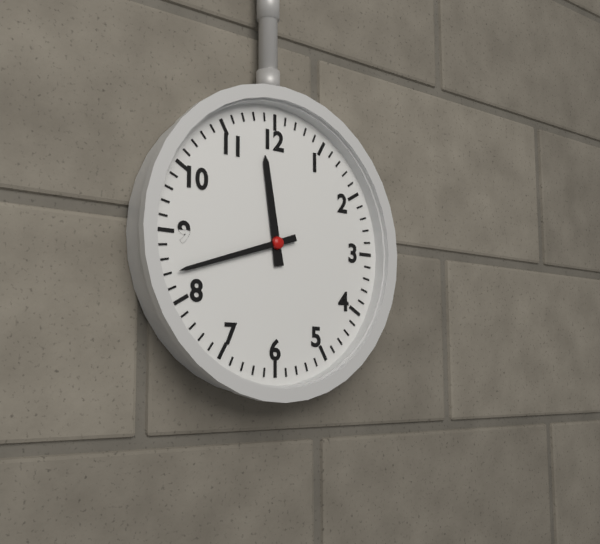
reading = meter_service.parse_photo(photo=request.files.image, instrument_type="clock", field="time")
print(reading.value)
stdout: 11:42
